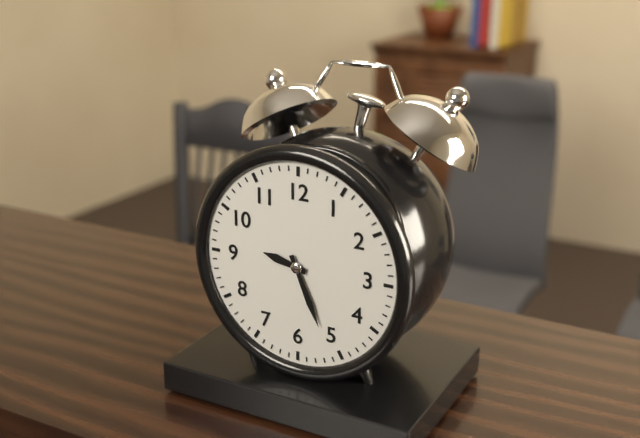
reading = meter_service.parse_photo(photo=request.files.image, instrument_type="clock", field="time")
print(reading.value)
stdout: 9:26
